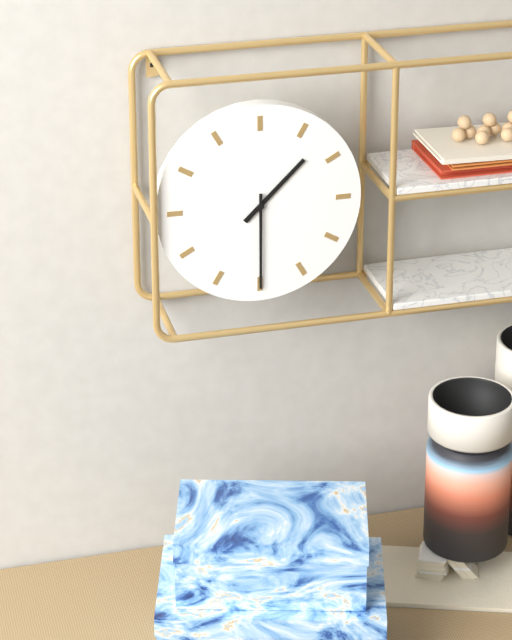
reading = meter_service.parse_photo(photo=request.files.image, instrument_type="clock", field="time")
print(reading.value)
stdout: 1:30
